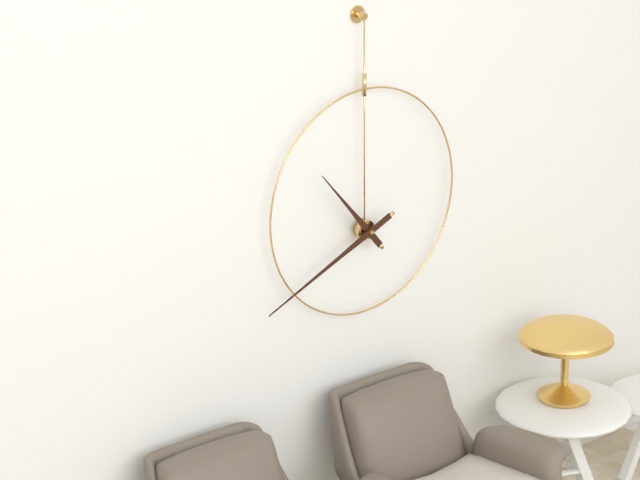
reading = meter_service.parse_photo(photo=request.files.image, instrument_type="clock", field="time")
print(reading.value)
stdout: 10:41
